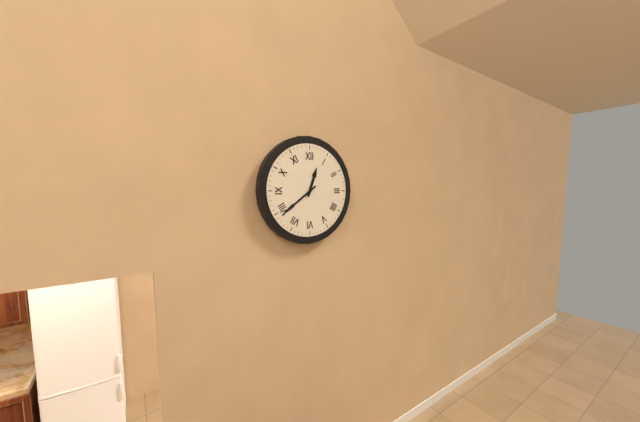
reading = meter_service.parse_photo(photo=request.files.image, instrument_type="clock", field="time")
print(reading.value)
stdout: 12:39
